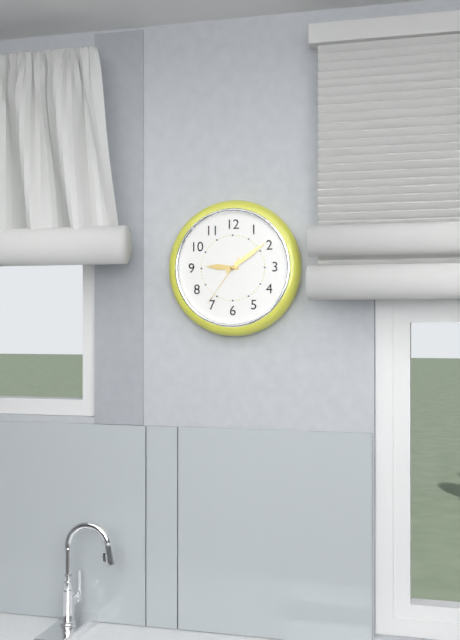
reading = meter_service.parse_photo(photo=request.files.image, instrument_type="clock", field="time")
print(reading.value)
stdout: 9:09:36
